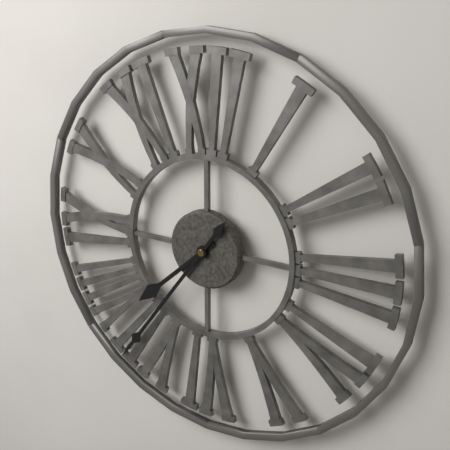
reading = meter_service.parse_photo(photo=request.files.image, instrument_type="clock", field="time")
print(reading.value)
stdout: 7:36
